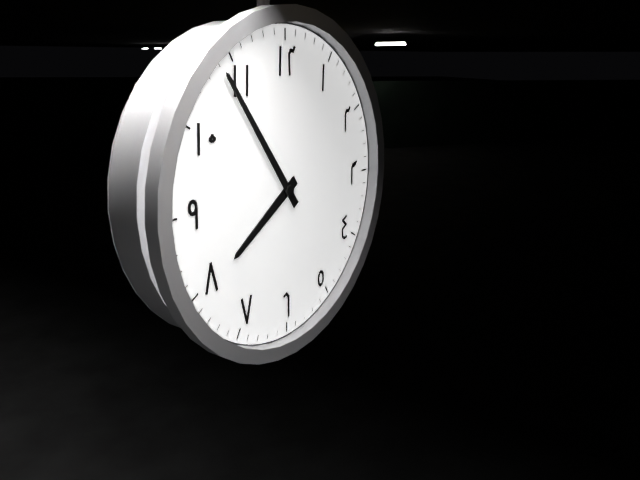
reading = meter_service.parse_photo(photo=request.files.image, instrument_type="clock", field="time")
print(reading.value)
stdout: 7:54
